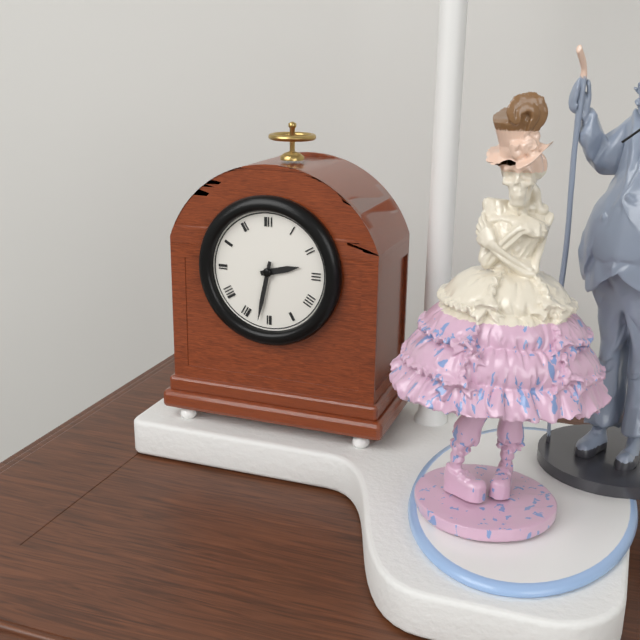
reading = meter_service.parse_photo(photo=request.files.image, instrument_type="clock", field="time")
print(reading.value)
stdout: 2:32
